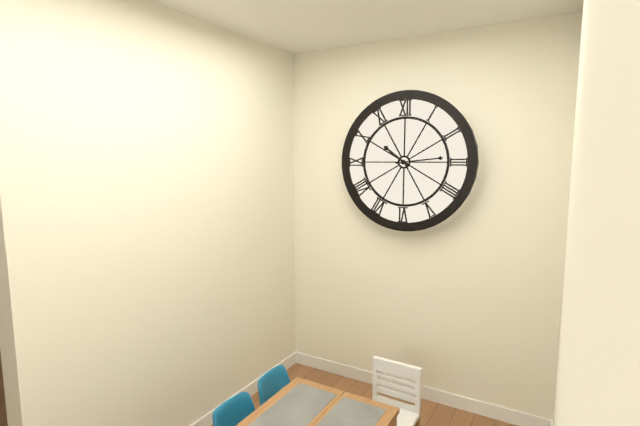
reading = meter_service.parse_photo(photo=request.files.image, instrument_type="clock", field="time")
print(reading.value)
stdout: 10:14
